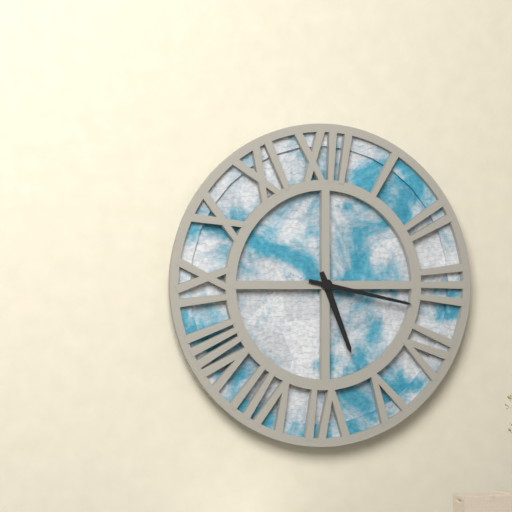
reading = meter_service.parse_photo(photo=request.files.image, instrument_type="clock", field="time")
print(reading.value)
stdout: 5:17
